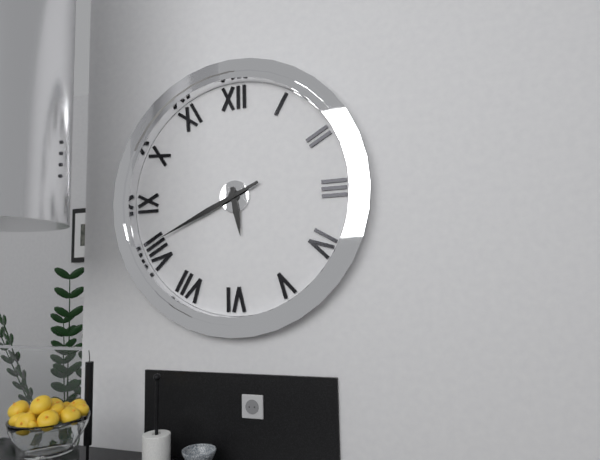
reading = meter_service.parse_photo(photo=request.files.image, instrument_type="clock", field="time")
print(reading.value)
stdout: 5:41
